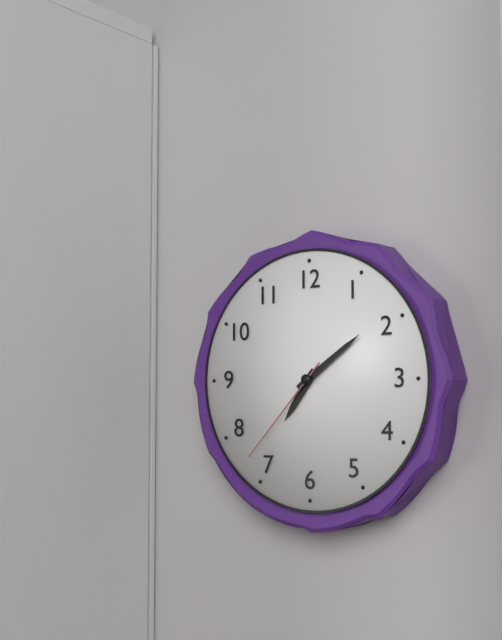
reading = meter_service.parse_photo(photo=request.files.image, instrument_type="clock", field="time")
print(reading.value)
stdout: 7:09:37
